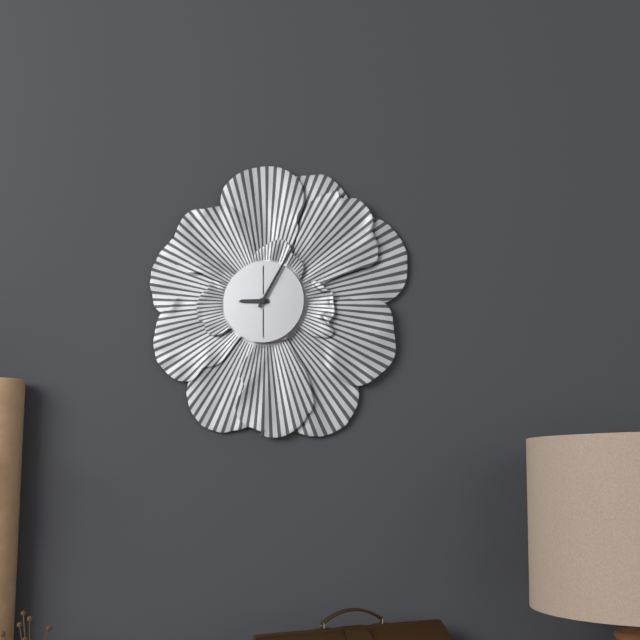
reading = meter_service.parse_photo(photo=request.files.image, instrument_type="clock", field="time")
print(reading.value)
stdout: 9:05
